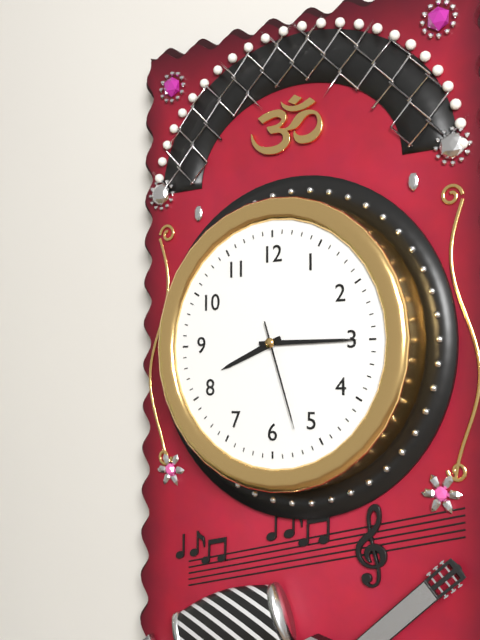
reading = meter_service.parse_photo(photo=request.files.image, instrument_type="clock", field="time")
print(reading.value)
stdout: 8:15:27
